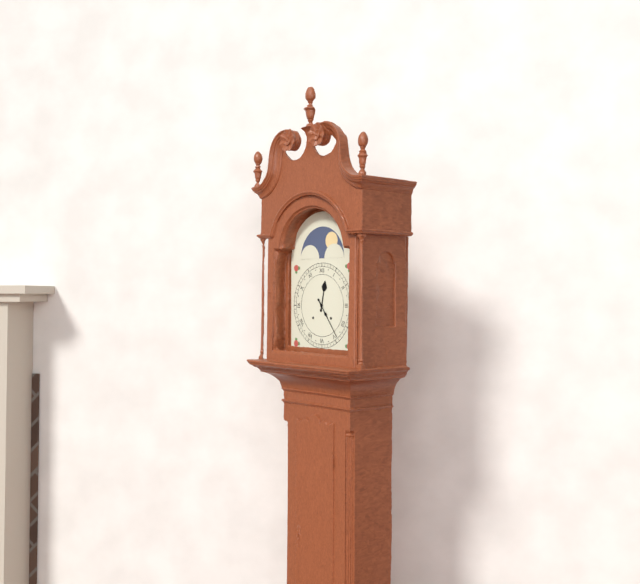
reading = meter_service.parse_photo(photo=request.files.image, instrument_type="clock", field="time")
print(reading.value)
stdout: 12:24
